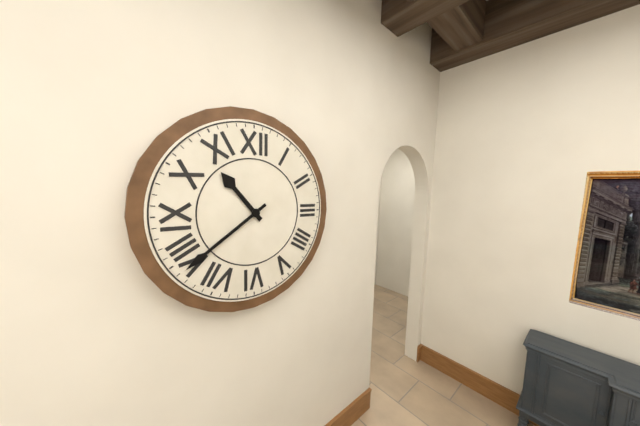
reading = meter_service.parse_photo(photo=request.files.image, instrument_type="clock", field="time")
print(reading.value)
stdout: 10:39
